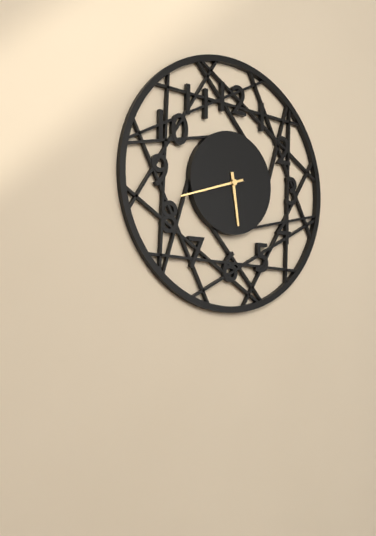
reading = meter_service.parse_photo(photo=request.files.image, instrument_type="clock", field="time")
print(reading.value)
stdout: 5:42
